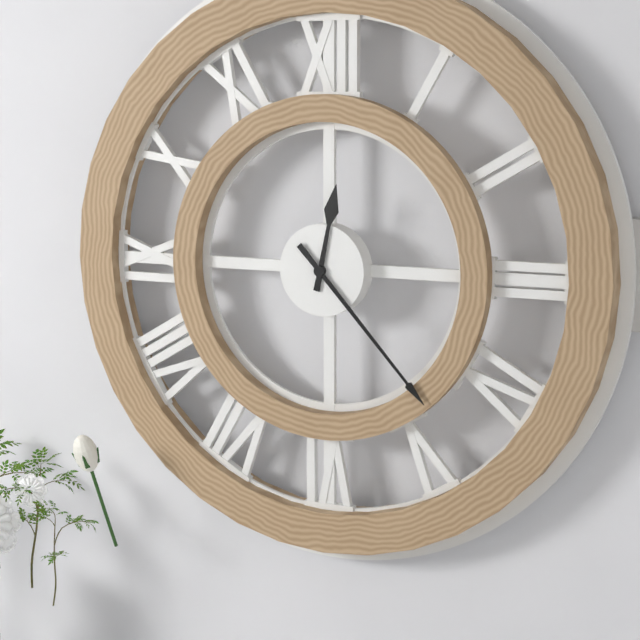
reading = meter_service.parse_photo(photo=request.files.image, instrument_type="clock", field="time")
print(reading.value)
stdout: 12:23
